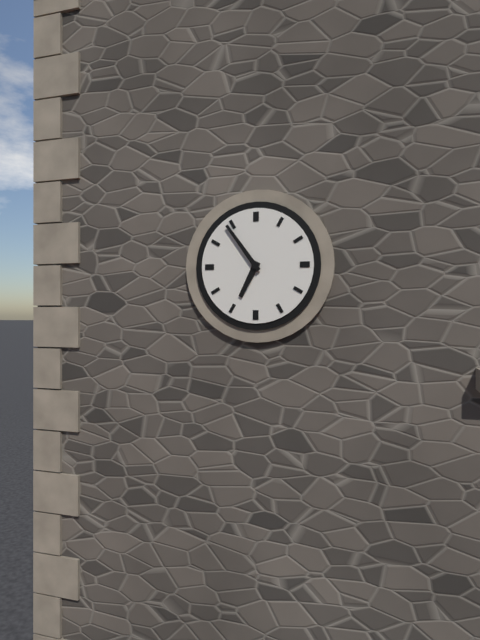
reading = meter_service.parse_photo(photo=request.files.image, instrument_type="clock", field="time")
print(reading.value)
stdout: 6:54
